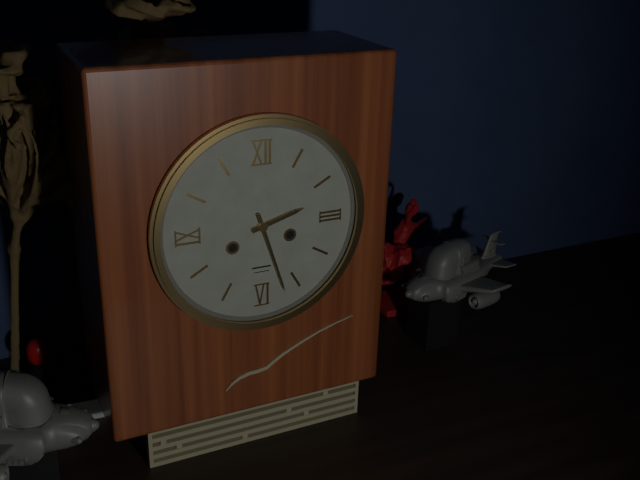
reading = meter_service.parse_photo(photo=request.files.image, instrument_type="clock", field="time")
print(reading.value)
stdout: 2:27
